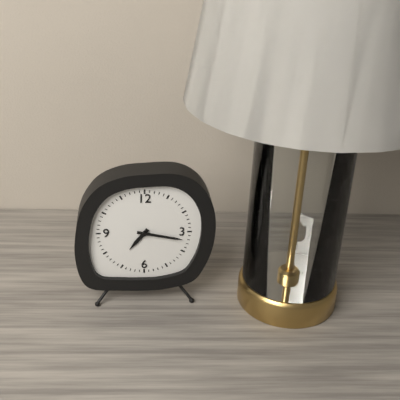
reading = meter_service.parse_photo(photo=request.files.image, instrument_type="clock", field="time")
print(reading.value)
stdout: 7:17
